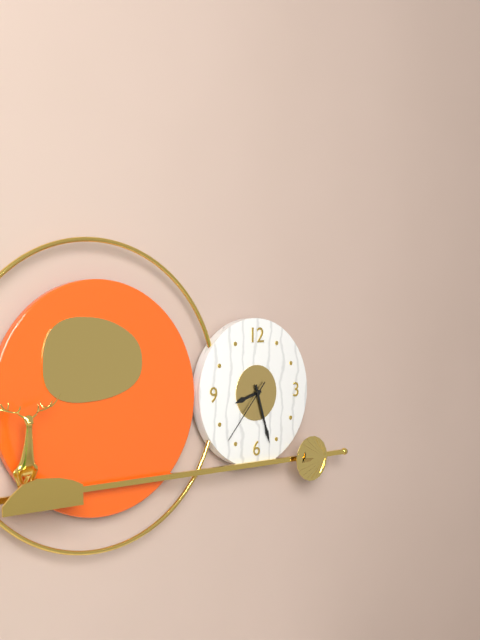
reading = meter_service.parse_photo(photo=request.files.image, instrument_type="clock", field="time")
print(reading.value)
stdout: 8:27:37
